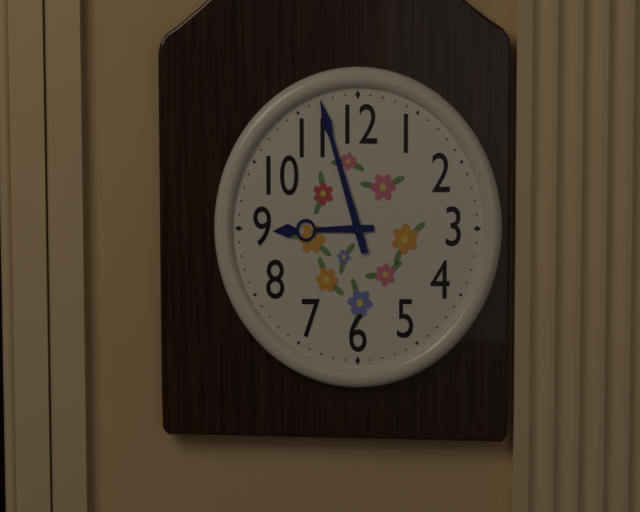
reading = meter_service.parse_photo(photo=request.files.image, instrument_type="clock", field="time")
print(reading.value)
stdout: 8:57
